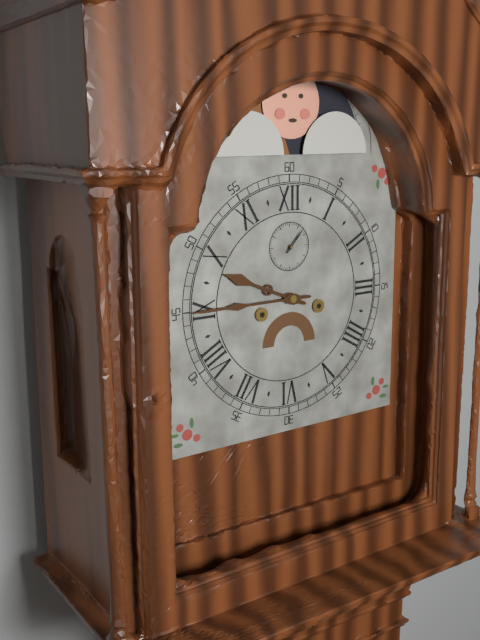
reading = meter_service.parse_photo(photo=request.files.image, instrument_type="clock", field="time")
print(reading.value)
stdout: 9:45
